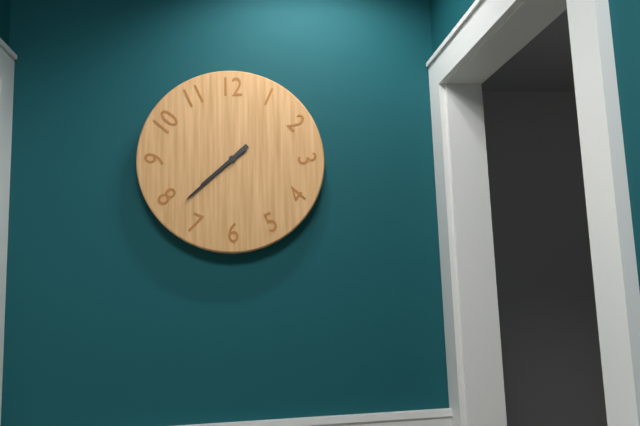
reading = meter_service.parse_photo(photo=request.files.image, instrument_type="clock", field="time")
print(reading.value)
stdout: 7:38
